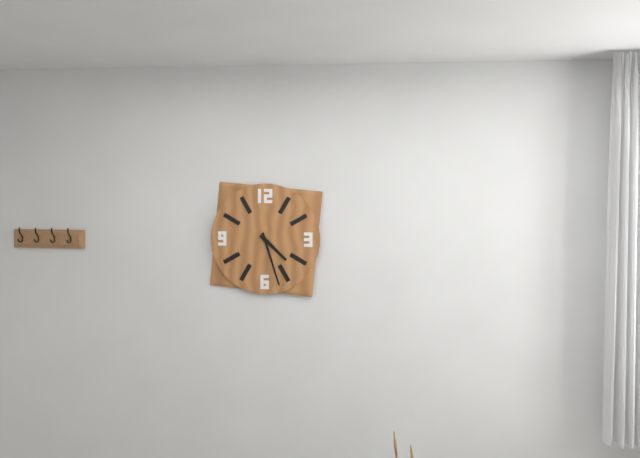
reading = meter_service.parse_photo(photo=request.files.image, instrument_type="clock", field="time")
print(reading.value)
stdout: 4:27
